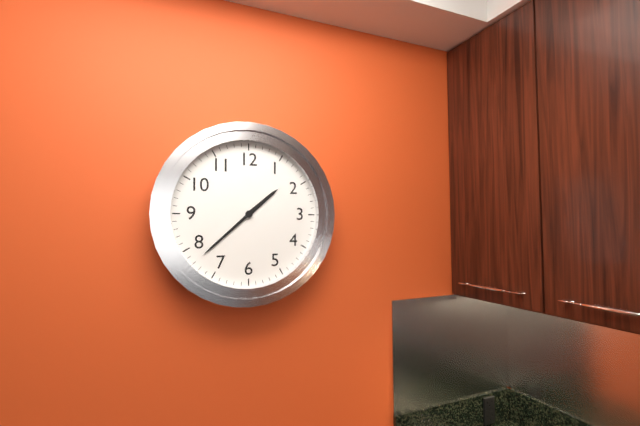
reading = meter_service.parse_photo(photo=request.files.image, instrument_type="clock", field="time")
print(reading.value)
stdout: 1:38
